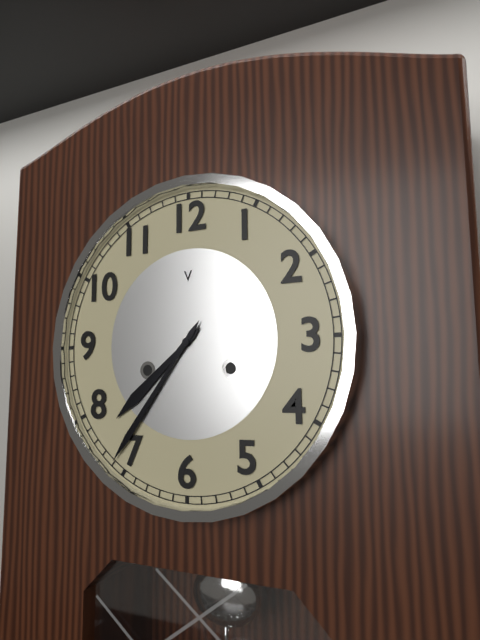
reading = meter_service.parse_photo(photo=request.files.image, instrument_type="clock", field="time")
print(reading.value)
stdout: 7:36
